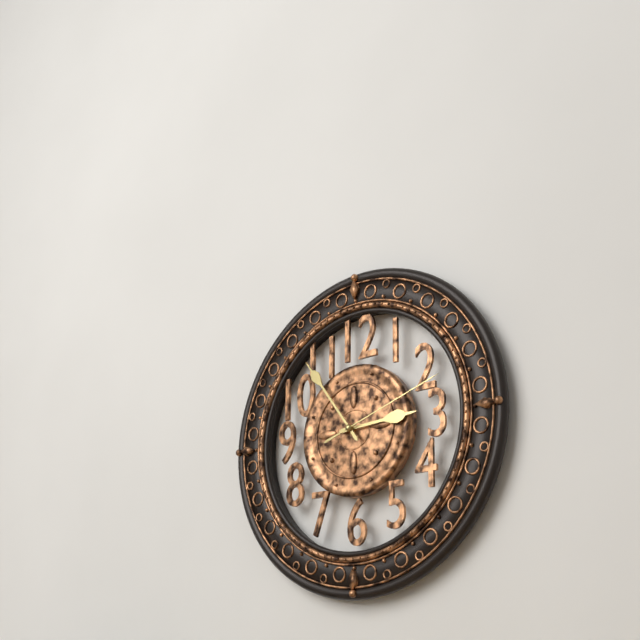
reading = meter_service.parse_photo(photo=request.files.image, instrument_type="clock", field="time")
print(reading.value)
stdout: 2:54:12
